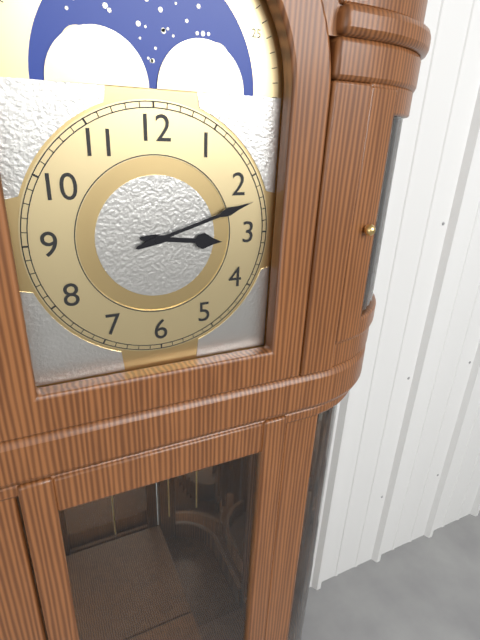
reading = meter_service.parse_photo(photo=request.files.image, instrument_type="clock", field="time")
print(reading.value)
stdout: 3:12
